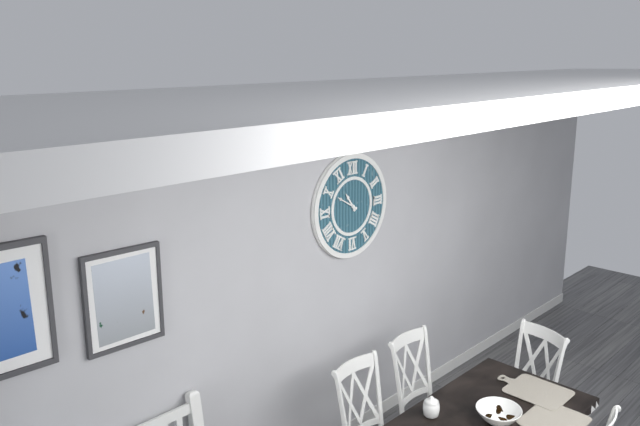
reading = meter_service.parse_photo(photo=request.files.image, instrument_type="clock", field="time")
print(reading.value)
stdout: 10:50
